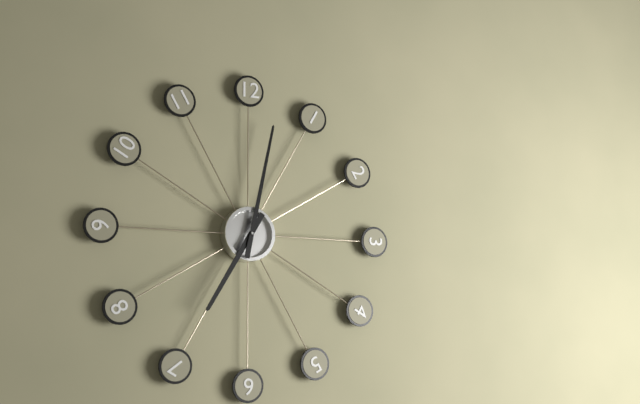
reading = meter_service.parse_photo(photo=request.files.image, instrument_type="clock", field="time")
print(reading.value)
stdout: 7:02
